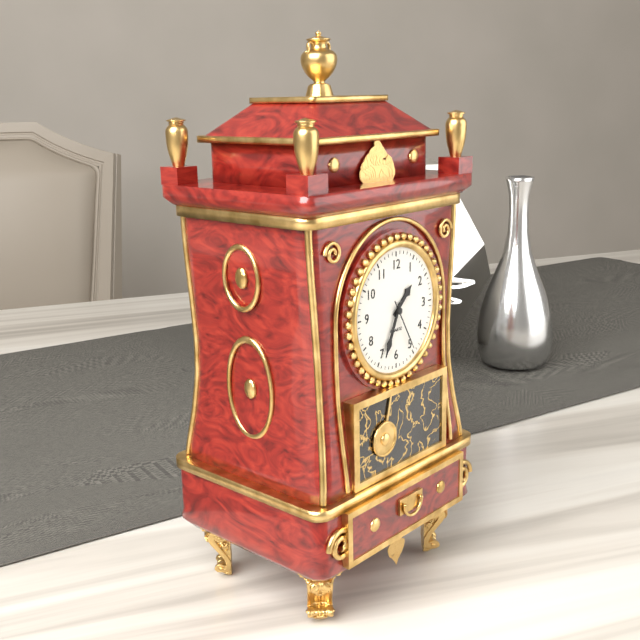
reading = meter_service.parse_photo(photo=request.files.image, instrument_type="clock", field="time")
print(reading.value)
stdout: 1:34:25
